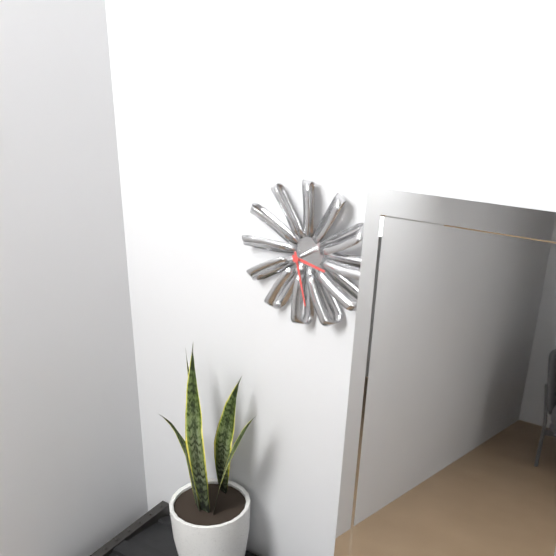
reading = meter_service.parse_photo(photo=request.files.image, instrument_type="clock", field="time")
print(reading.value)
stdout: 3:28
